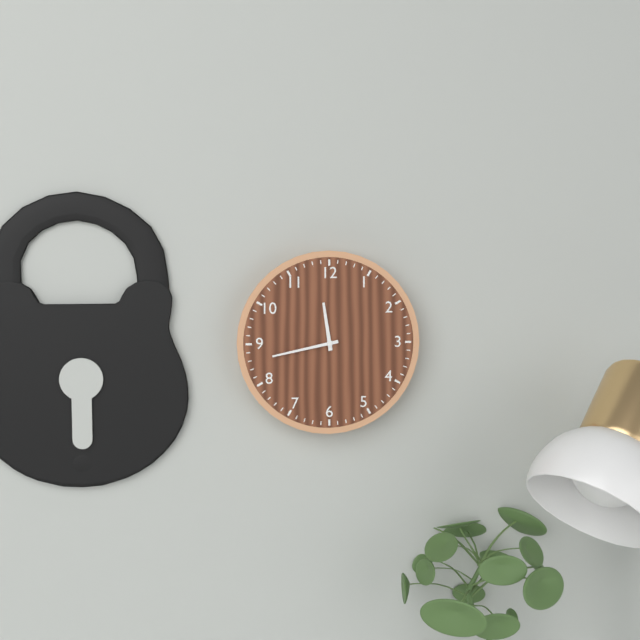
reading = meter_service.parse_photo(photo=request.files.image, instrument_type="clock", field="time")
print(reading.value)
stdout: 11:43
